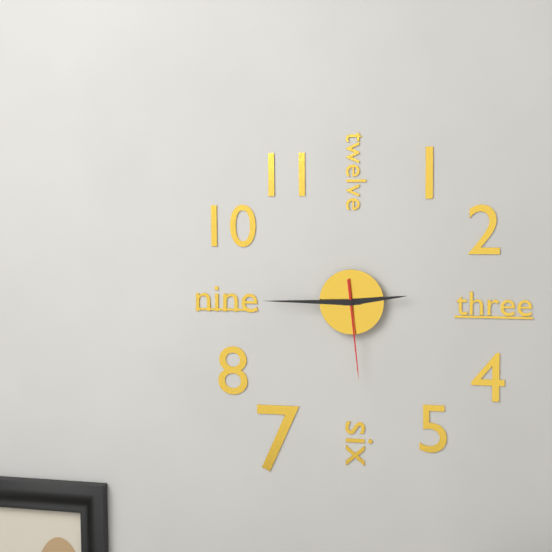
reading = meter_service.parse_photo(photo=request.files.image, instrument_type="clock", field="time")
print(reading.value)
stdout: 2:45:29
